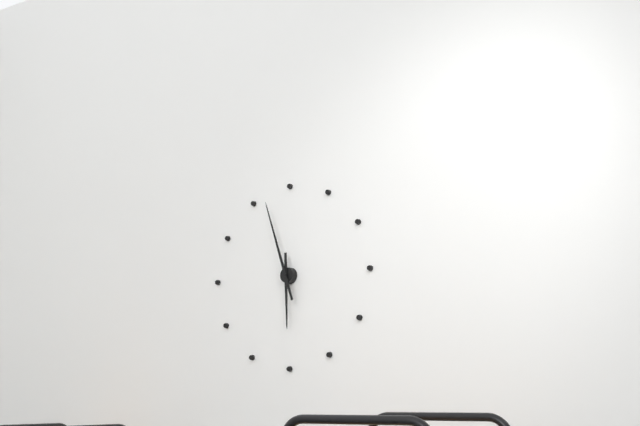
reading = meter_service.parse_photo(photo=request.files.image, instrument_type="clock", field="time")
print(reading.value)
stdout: 5:57
